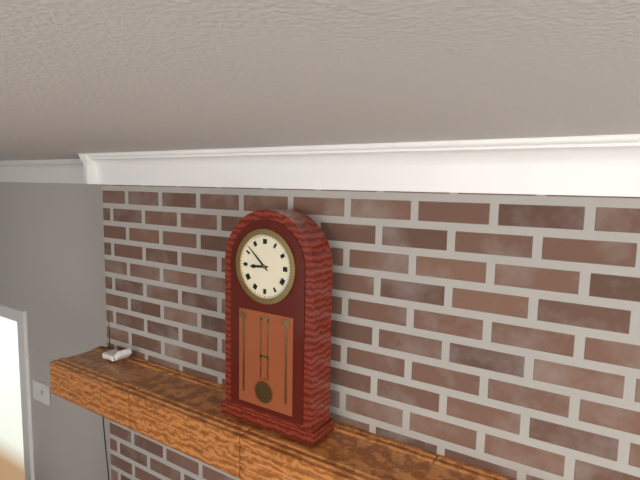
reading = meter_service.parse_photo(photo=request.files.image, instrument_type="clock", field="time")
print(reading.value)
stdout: 8:52
